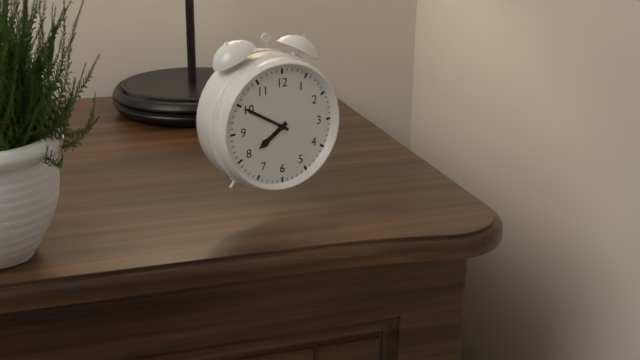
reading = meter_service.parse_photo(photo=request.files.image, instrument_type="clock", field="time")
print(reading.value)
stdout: 7:50
